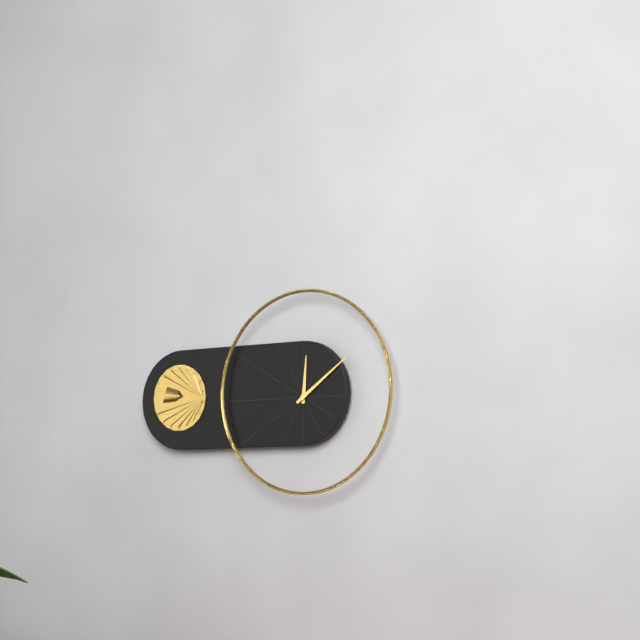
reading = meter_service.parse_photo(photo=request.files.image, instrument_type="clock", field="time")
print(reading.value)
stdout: 12:09
